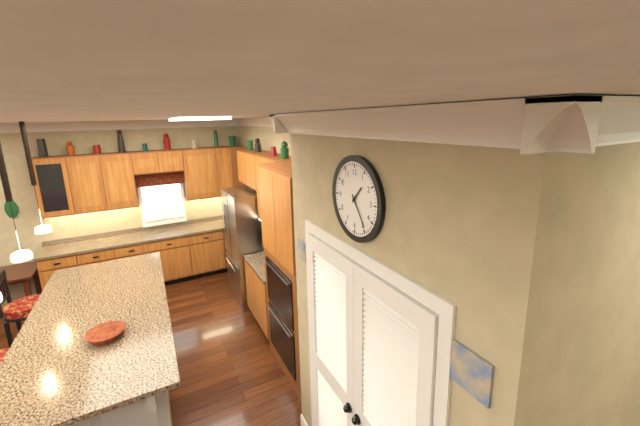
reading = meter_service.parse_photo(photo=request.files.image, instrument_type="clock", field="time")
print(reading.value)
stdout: 1:24
